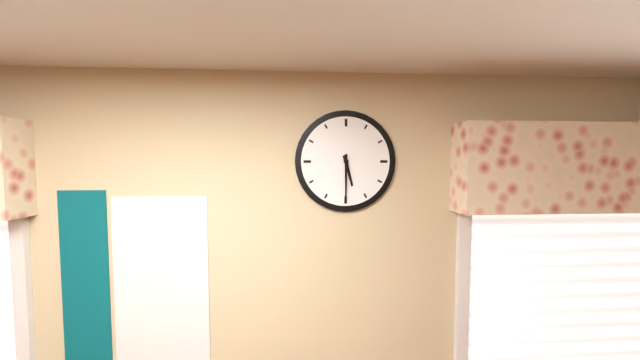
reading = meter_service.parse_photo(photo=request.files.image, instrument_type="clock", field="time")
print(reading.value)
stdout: 5:30
